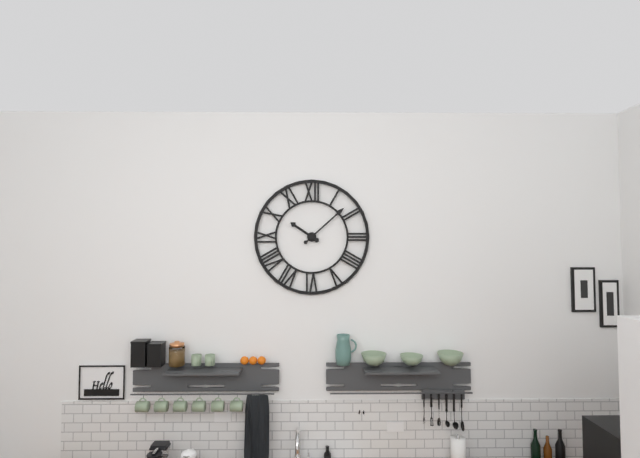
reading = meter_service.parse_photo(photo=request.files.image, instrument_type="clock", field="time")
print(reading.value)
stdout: 10:08
